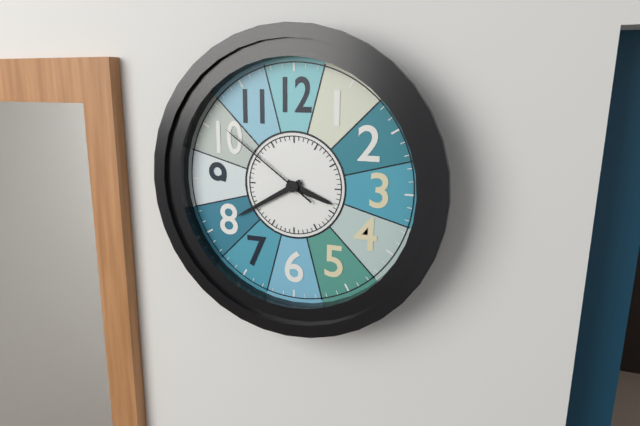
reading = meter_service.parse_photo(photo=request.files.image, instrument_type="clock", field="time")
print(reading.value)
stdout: 3:40:51
